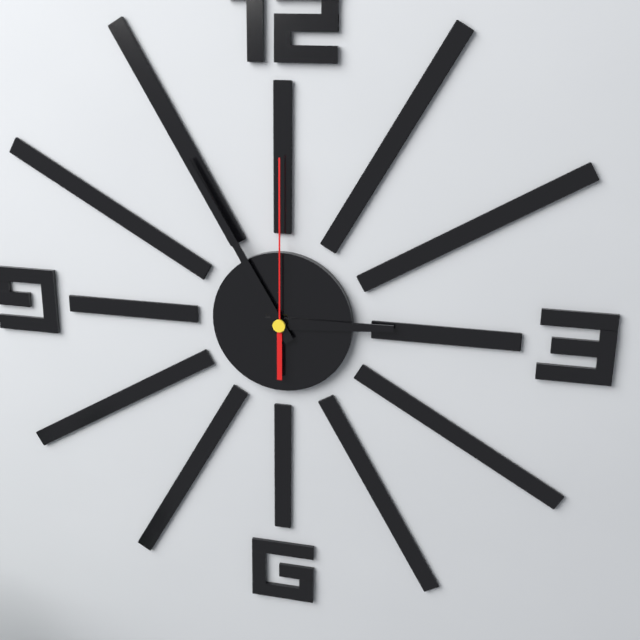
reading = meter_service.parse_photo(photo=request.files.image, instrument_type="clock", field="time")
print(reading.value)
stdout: 2:55:00
